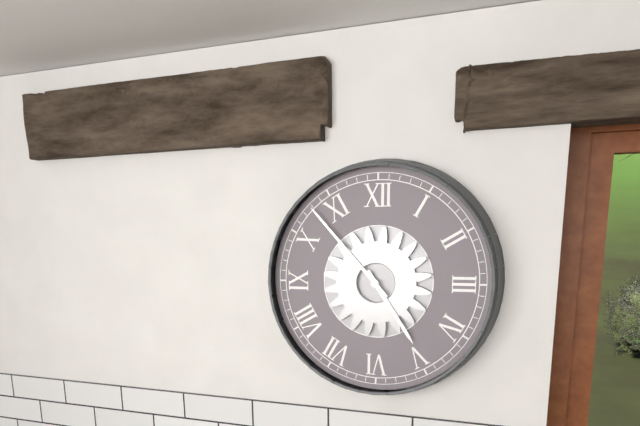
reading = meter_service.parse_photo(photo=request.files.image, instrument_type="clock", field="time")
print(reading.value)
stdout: 4:53
